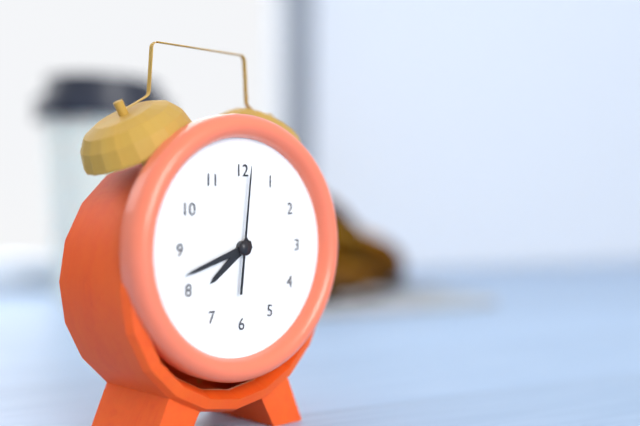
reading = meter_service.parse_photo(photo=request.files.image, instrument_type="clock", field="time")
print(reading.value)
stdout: 7:42:01
